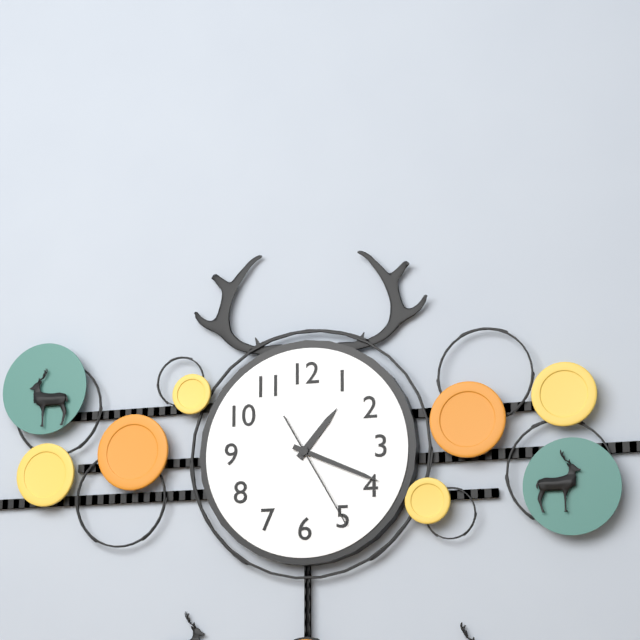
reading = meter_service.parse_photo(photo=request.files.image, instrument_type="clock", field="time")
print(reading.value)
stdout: 1:19:25
